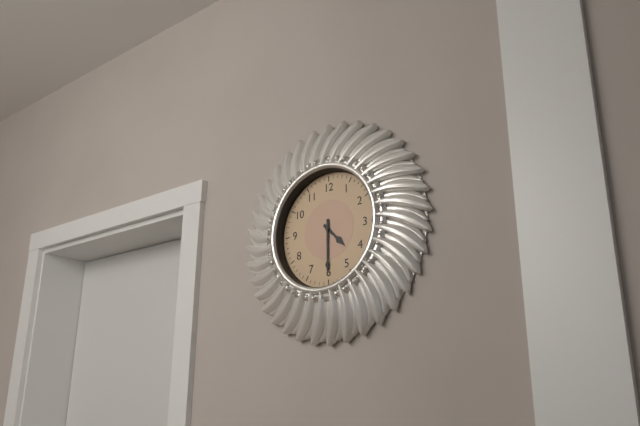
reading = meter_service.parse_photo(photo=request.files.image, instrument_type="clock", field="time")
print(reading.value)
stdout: 4:30
